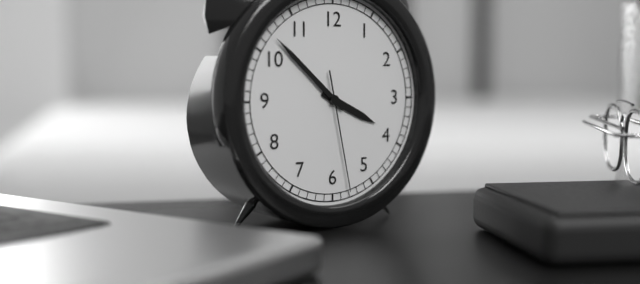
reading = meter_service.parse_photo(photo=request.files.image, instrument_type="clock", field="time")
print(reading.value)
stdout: 3:52:28
